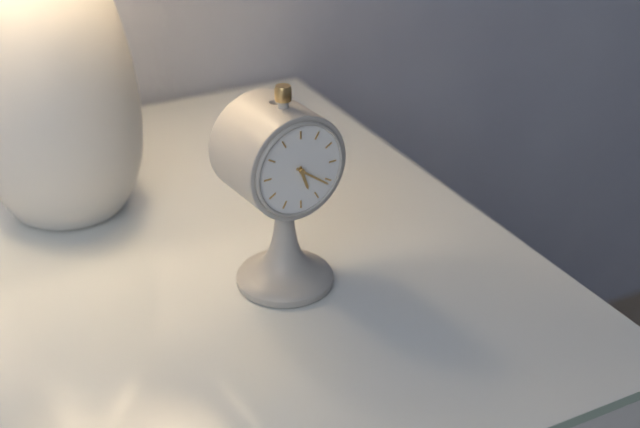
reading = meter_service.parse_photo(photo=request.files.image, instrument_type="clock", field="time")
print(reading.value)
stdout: 5:21
